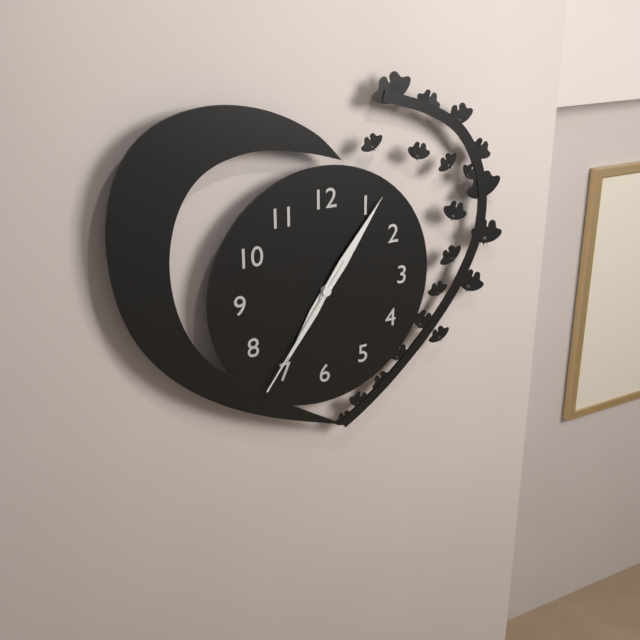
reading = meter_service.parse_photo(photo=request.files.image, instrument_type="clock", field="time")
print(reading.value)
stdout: 7:06:36
